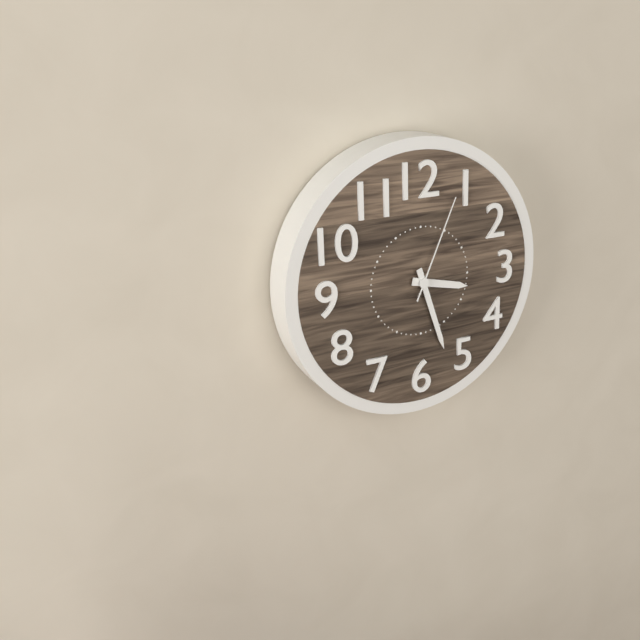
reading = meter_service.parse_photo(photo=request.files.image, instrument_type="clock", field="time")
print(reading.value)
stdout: 3:27:04
